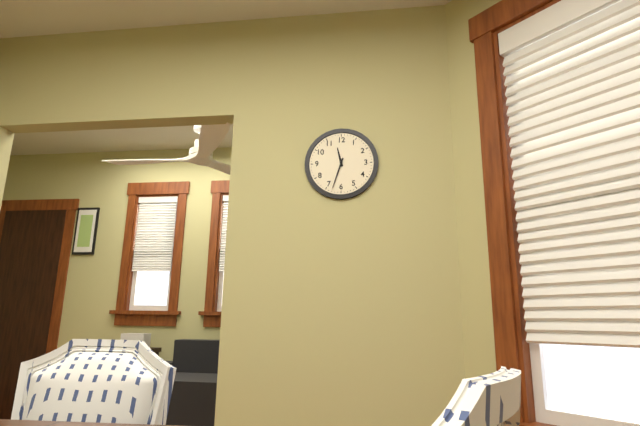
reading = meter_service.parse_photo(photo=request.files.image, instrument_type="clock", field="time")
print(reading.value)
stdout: 11:33
